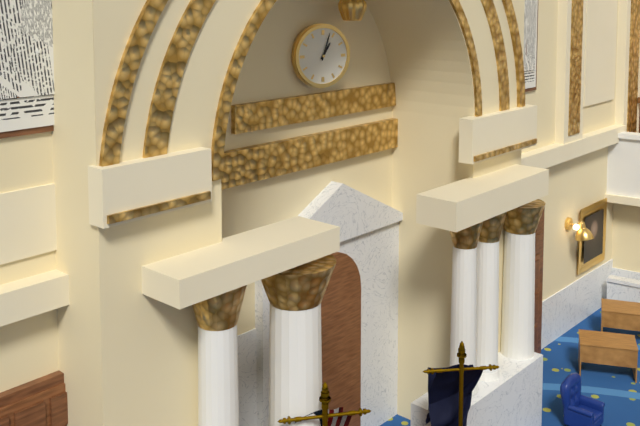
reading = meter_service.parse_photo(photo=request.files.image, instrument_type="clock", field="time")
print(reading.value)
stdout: 1:03
